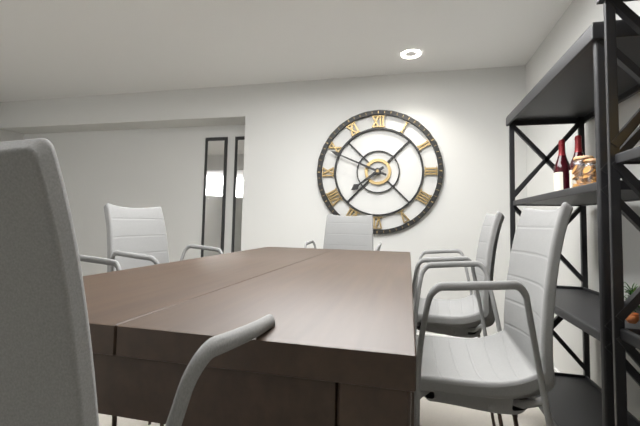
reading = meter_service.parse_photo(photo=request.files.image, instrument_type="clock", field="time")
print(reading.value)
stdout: 7:49
